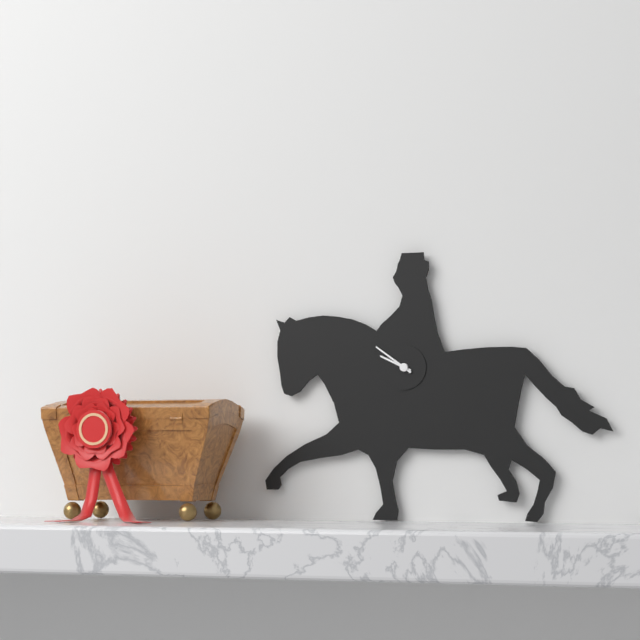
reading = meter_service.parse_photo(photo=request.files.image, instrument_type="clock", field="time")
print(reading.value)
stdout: 9:51
